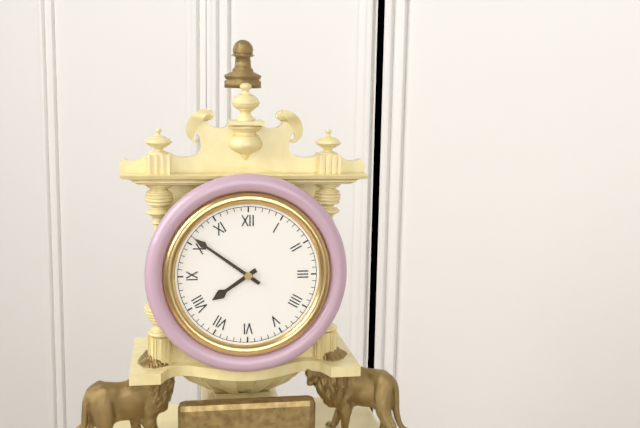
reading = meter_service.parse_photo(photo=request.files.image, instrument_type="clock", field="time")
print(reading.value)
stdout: 7:51
